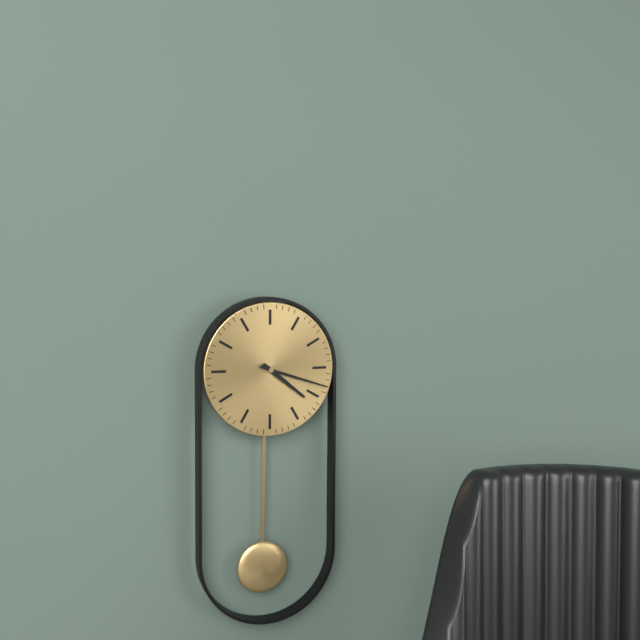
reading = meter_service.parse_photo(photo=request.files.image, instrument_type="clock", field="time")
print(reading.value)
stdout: 4:18
